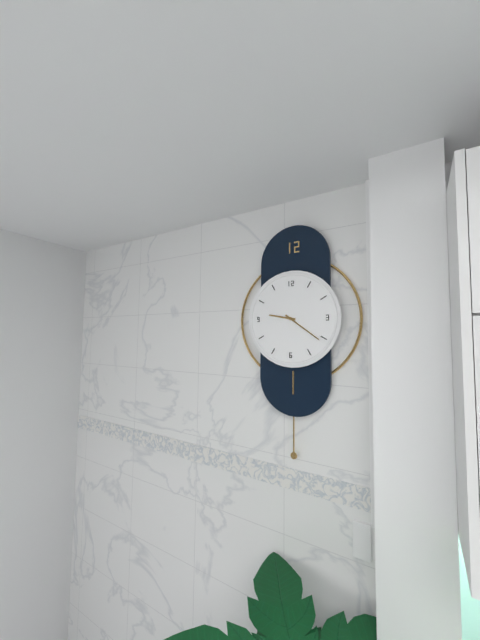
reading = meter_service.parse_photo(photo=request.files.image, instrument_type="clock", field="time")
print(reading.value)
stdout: 9:21
